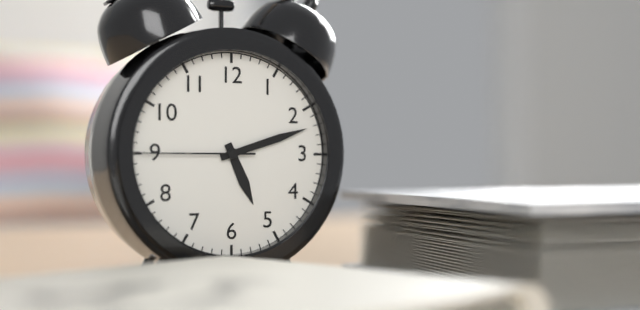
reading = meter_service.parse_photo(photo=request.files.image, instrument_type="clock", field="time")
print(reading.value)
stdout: 5:12:45
